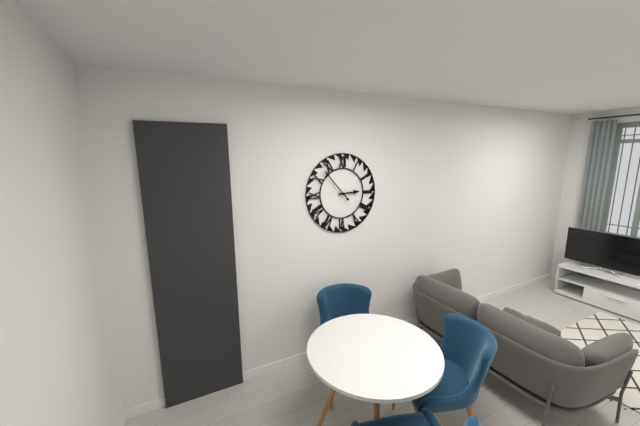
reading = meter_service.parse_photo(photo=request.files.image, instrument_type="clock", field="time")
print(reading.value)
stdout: 2:53
